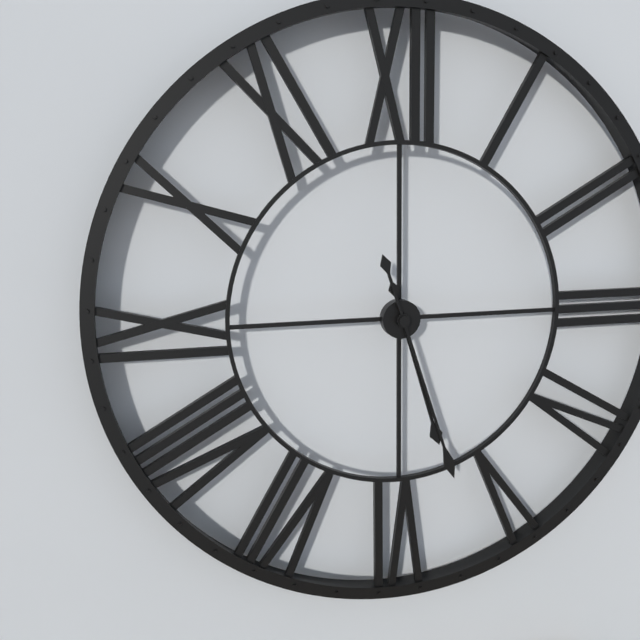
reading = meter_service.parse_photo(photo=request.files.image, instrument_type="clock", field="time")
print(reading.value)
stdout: 5:27
